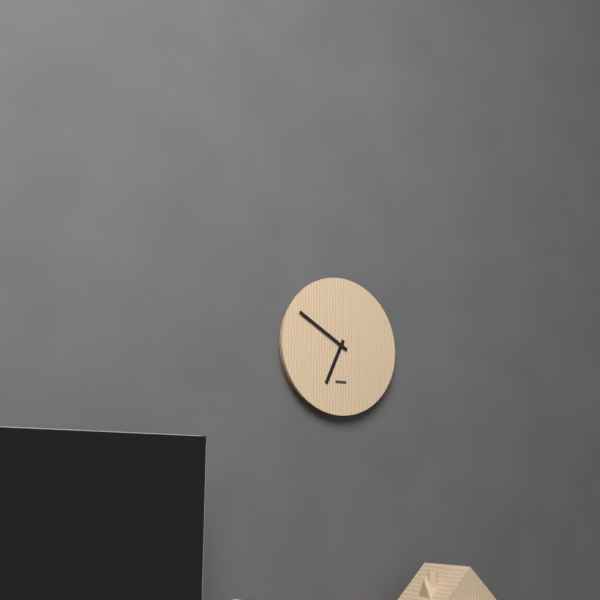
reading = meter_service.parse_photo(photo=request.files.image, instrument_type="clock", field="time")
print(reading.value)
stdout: 6:50
